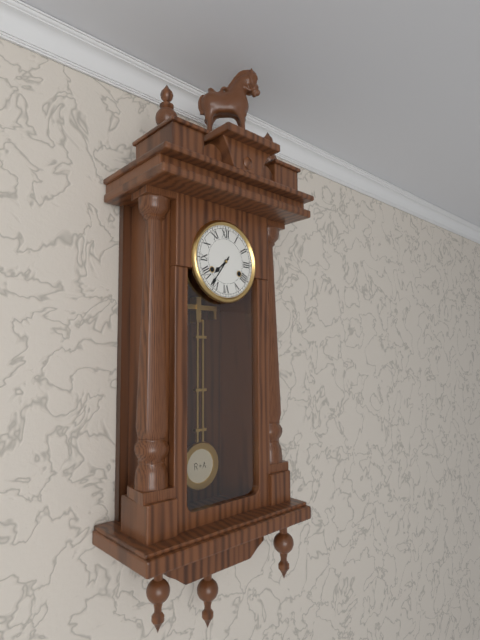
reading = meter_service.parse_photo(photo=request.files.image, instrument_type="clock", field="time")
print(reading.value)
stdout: 7:36
